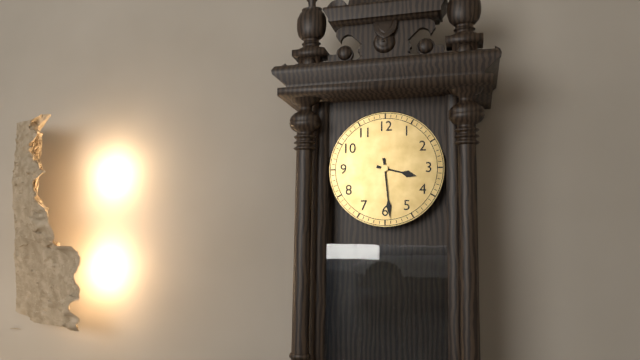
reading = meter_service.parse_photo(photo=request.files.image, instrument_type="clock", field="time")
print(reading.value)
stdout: 3:29
